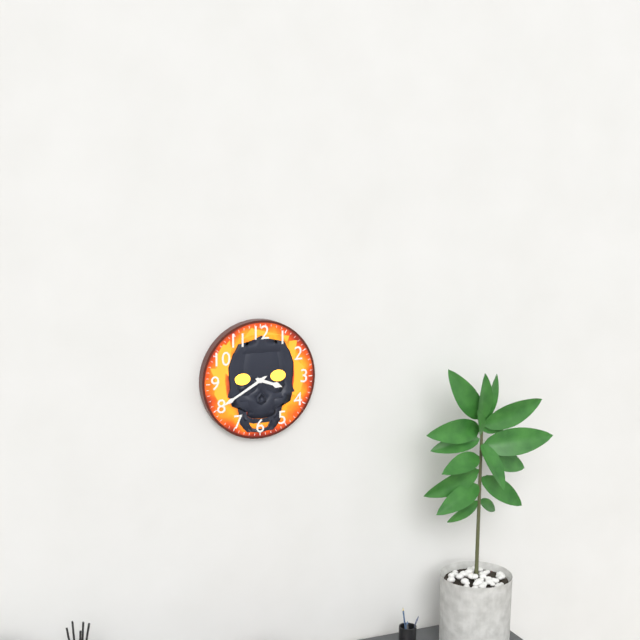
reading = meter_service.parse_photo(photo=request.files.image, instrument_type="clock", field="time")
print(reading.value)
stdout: 3:40
